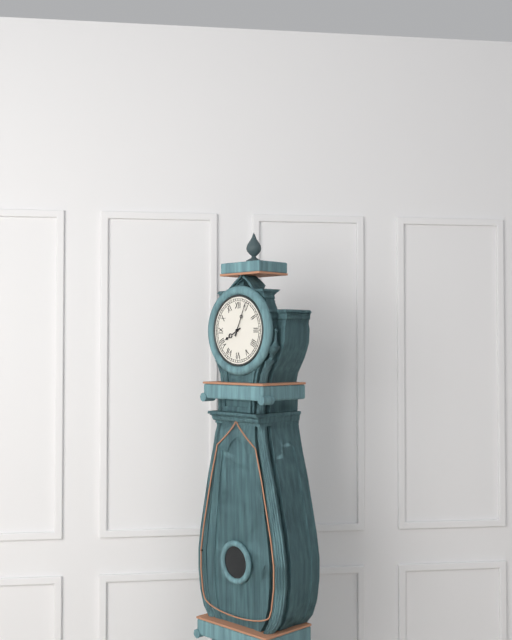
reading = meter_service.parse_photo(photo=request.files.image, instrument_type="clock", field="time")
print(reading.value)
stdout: 8:04
